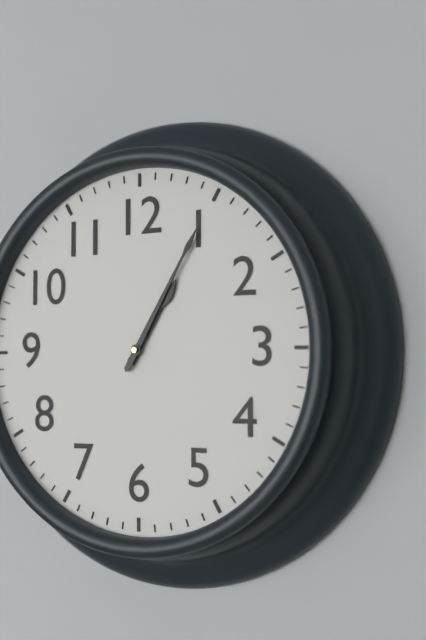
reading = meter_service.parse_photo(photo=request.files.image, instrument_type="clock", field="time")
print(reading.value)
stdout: 1:05
